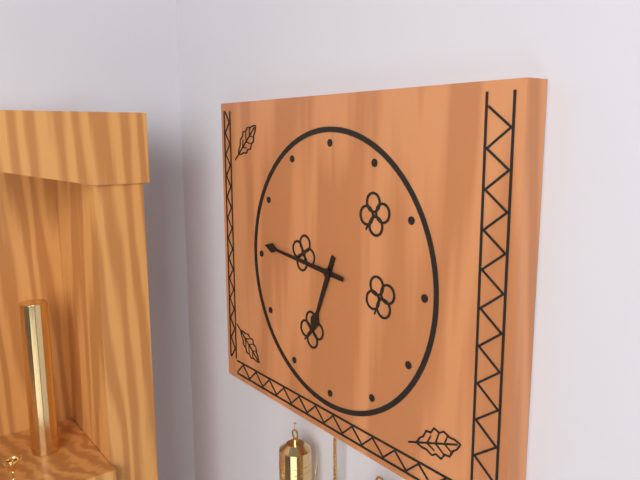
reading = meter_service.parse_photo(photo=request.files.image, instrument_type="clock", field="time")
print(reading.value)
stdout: 6:46
